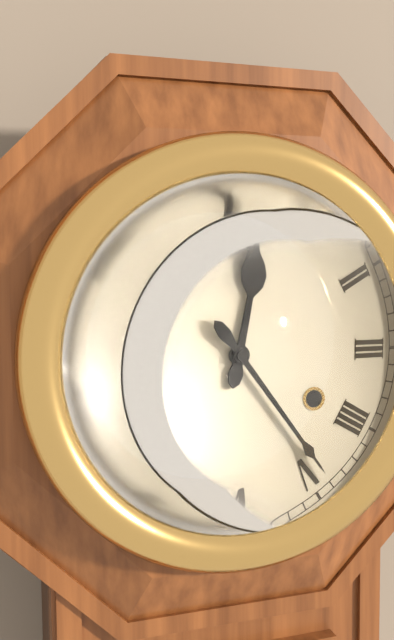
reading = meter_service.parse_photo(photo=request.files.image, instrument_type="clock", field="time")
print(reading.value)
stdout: 12:24
